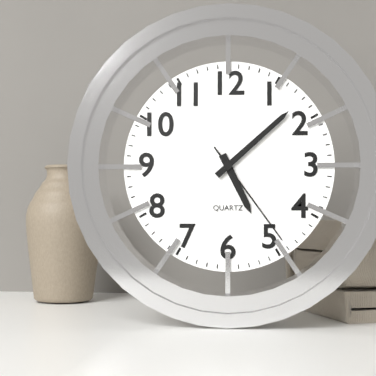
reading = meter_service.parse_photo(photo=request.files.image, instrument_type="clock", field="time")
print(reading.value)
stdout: 5:08:24
